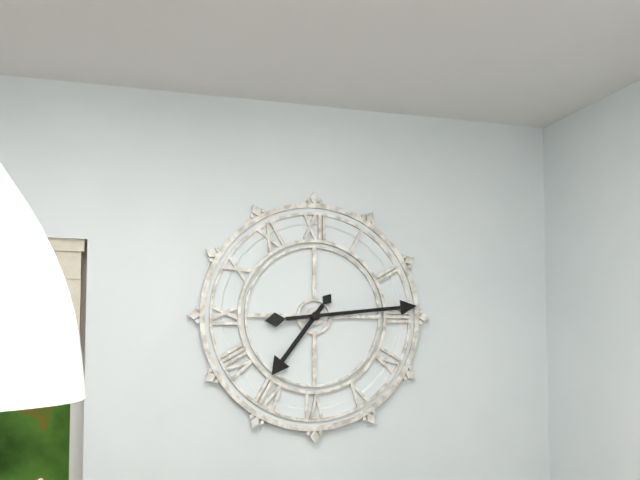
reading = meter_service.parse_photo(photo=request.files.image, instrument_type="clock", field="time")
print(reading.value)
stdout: 7:14
